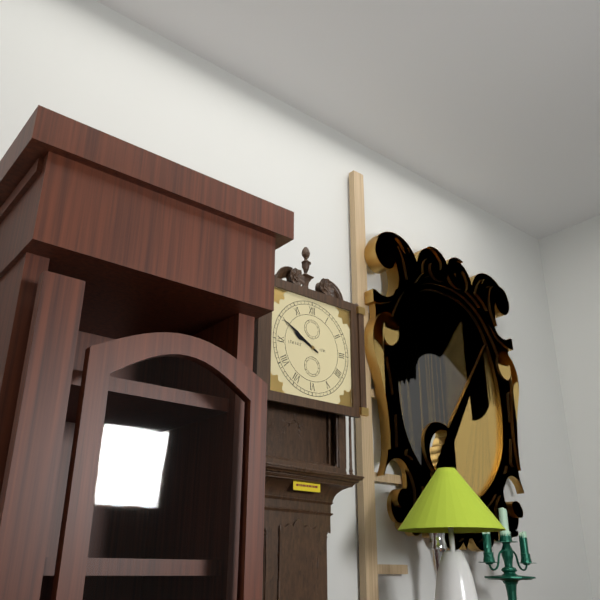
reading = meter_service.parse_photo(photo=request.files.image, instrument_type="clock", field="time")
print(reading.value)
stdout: 9:50
